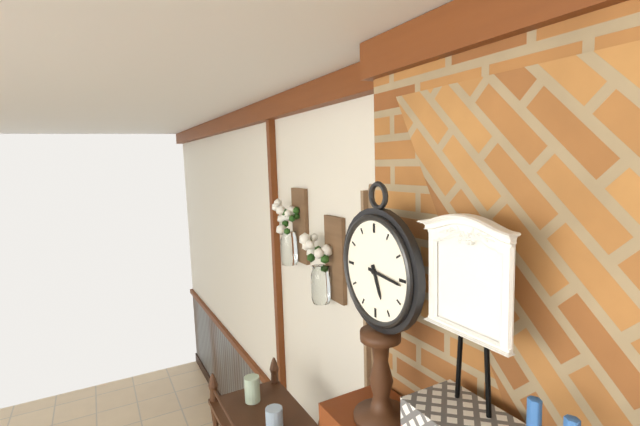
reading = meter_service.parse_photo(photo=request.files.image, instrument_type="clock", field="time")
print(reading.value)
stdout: 5:16
